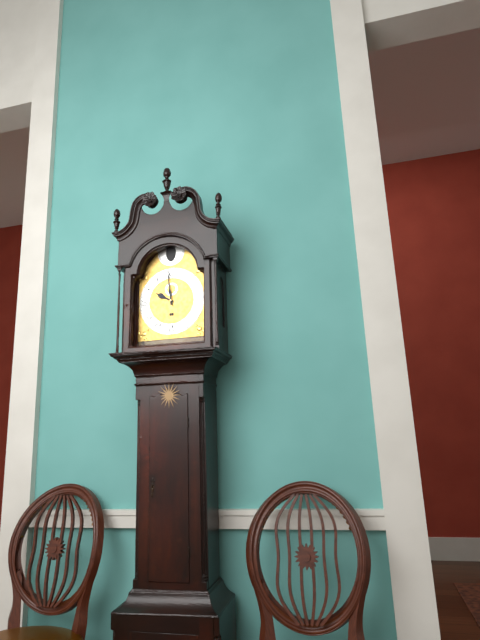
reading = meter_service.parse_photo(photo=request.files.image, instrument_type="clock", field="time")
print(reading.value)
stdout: 9:59
